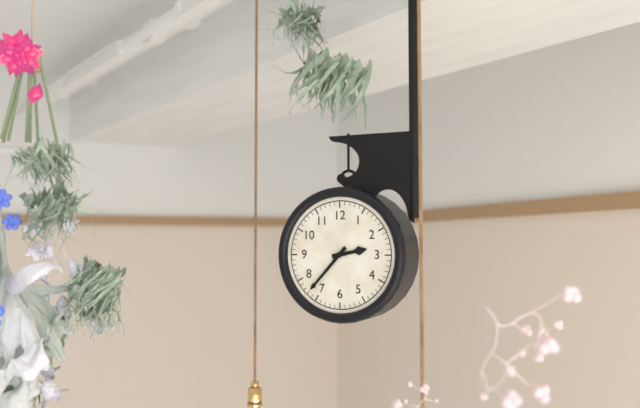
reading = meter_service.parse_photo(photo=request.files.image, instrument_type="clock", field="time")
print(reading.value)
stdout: 2:37
